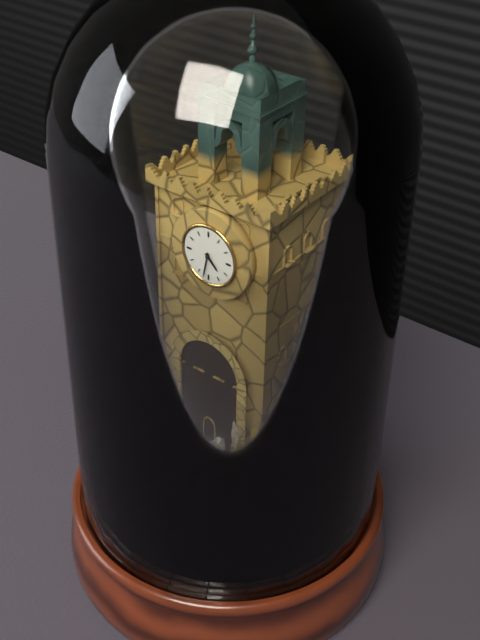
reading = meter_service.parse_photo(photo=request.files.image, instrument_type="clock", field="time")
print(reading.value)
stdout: 4:32
